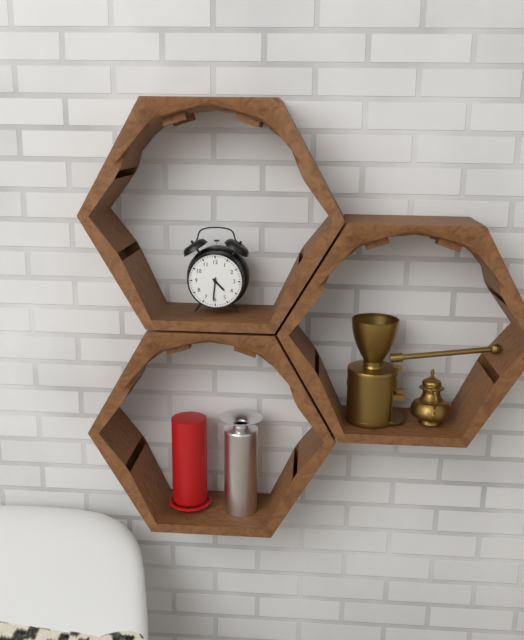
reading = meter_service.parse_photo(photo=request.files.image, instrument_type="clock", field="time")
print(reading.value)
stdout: 4:31
